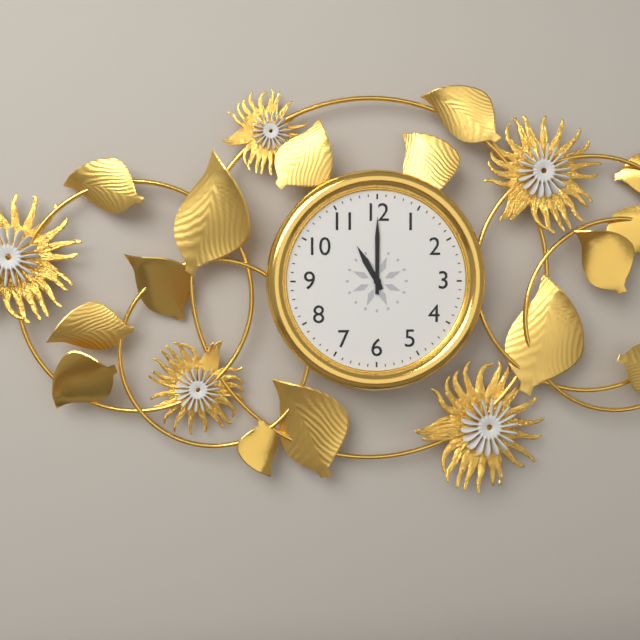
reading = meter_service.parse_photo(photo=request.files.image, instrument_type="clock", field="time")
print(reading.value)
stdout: 11:00
